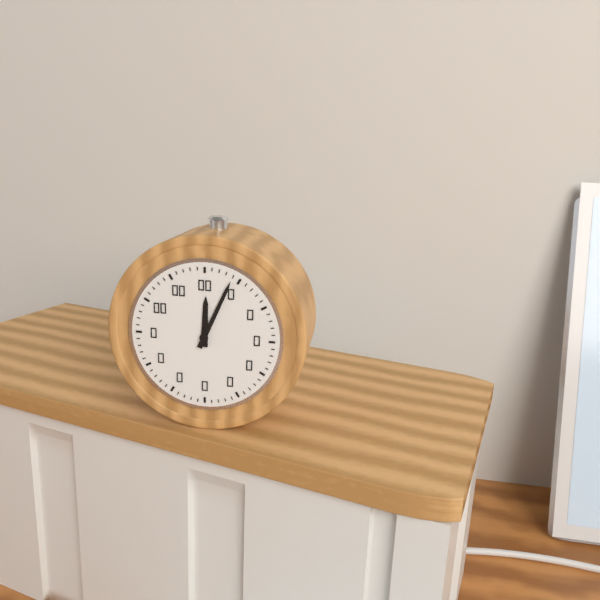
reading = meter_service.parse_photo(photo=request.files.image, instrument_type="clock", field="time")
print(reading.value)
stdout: 12:04
